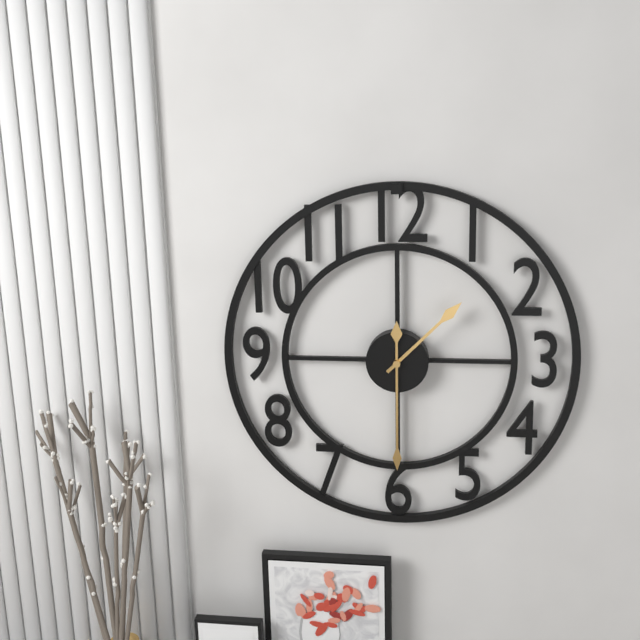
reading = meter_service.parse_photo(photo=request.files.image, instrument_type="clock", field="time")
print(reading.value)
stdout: 1:30
